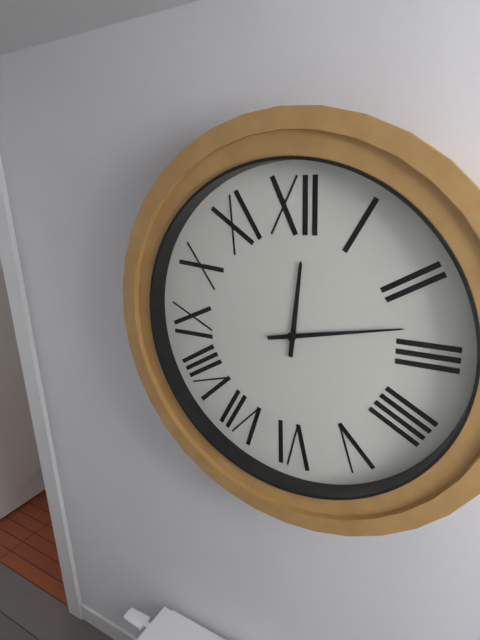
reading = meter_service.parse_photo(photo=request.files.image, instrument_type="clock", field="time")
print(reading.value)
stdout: 12:13
